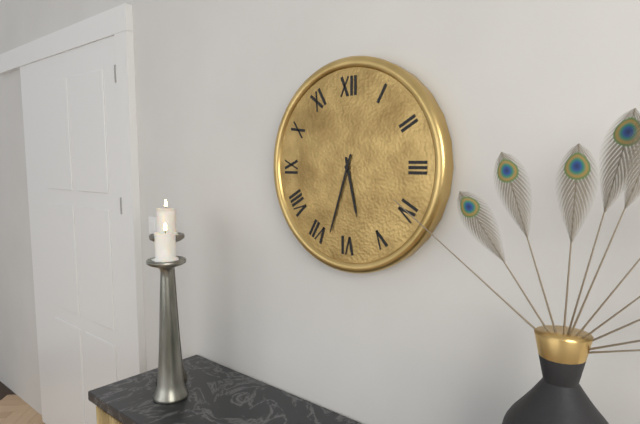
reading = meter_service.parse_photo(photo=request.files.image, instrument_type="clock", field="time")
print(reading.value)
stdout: 5:33
